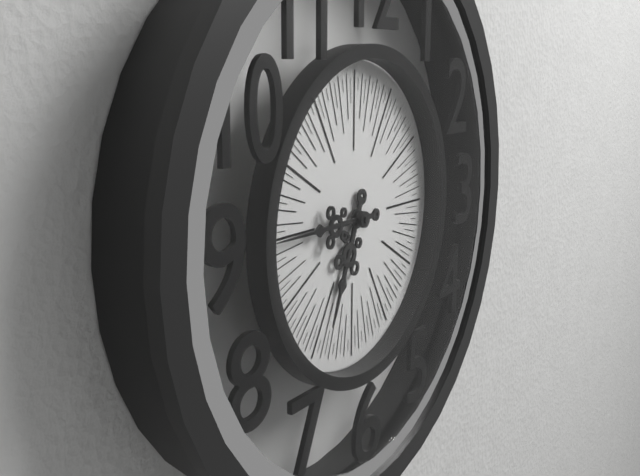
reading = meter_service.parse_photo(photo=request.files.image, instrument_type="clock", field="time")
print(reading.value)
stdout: 6:45
